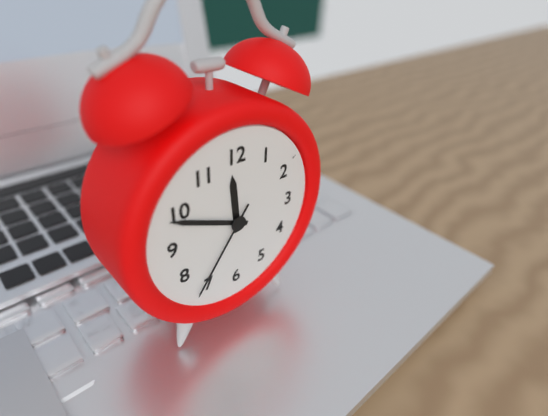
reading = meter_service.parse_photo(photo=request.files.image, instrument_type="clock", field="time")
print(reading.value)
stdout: 11:49:36
